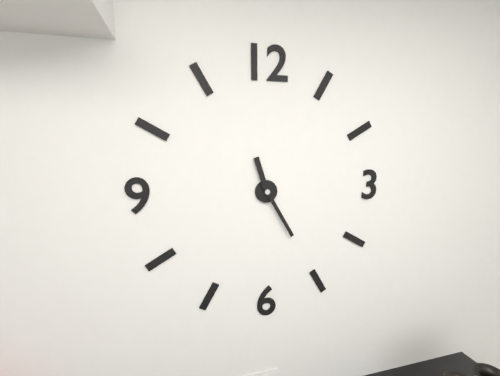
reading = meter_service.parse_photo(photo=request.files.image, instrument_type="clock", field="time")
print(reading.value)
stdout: 11:25
